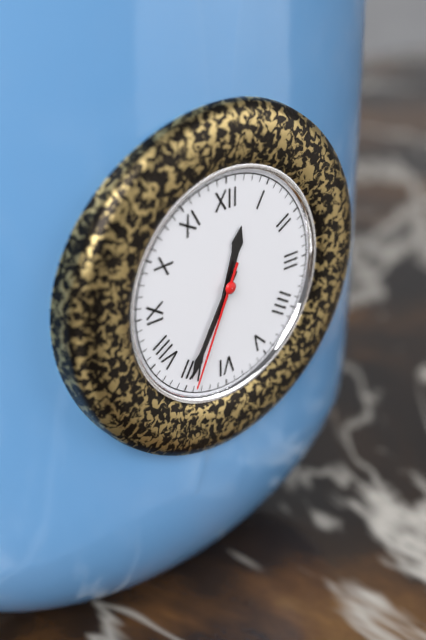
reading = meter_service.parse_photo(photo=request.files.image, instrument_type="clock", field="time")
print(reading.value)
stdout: 12:35:34
